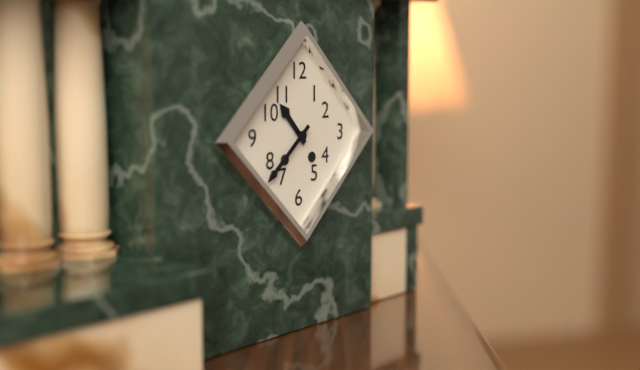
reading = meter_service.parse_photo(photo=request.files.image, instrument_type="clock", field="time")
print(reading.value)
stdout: 10:38
